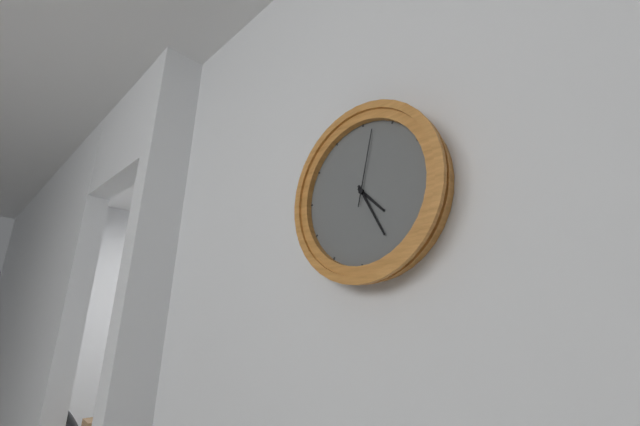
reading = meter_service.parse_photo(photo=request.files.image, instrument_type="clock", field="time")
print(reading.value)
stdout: 4:25:02
